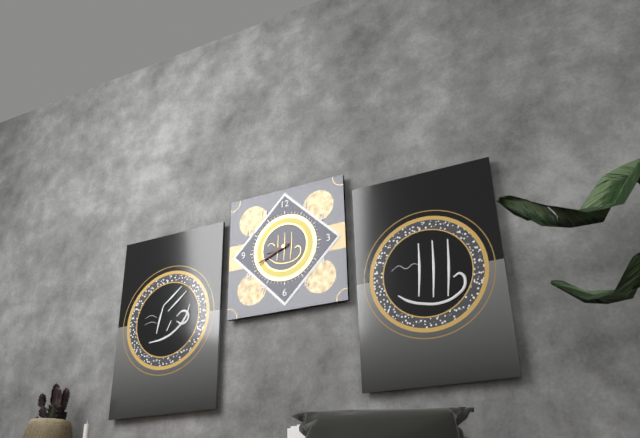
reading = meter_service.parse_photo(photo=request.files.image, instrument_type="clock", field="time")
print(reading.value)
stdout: 8:41
